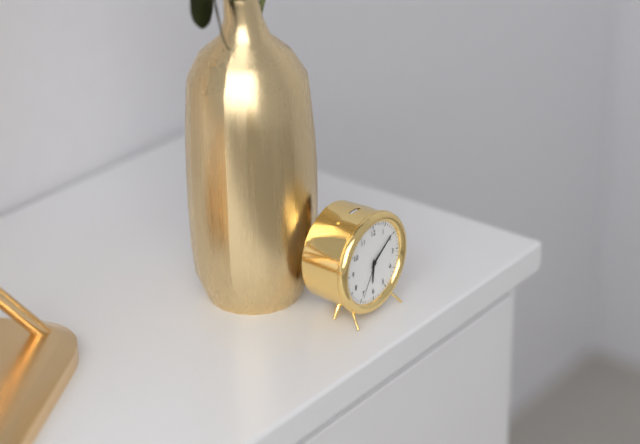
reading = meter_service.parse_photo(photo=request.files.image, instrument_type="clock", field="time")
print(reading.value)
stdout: 6:09
